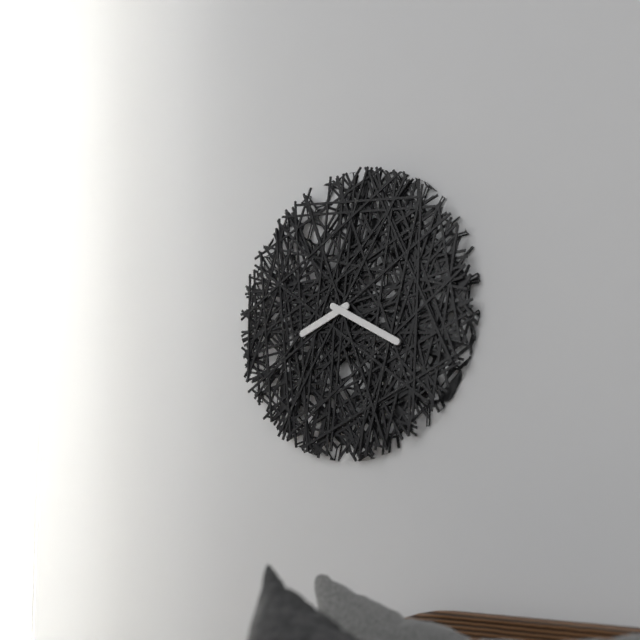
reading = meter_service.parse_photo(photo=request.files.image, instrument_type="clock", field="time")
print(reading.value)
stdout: 8:20
